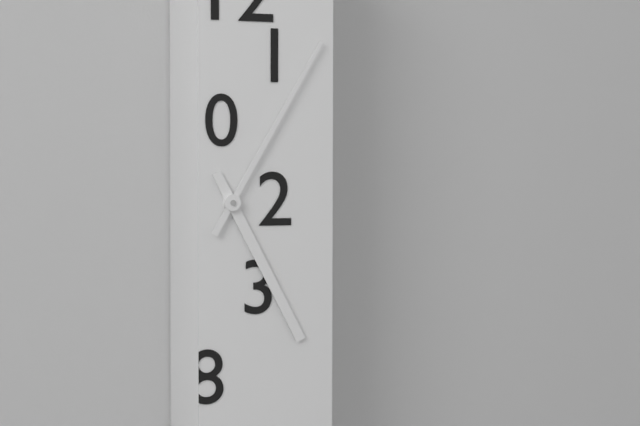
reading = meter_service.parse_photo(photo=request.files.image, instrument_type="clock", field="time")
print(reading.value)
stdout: 5:05
